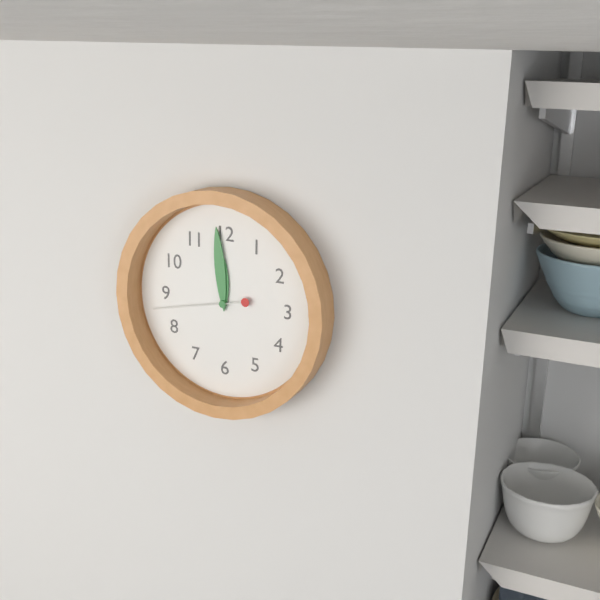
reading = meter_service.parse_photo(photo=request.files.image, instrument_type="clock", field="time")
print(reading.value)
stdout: 11:59:43
